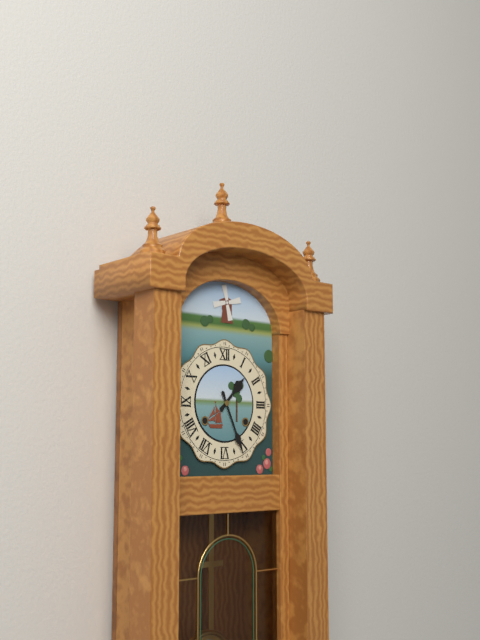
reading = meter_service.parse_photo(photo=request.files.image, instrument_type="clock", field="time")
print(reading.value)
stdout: 1:26
